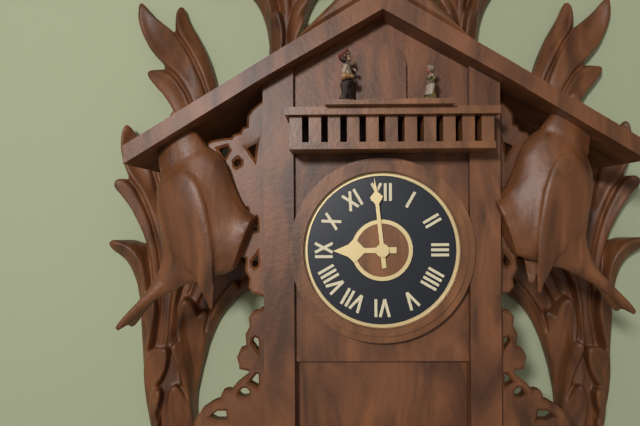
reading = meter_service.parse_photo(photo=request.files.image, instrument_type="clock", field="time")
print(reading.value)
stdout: 8:59
